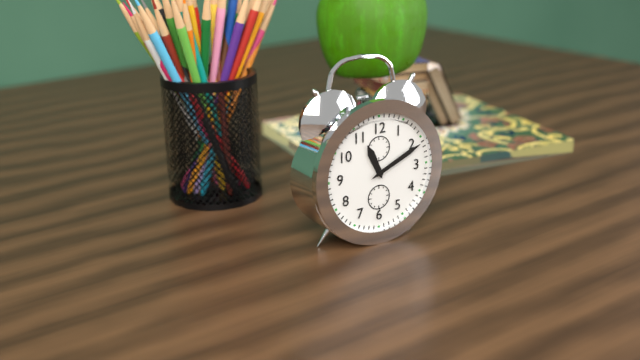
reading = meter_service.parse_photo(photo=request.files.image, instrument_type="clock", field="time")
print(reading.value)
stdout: 11:11
